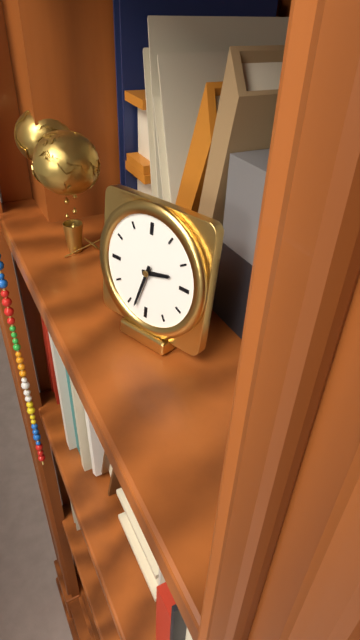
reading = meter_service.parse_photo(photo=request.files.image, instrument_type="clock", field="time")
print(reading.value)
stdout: 2:33
